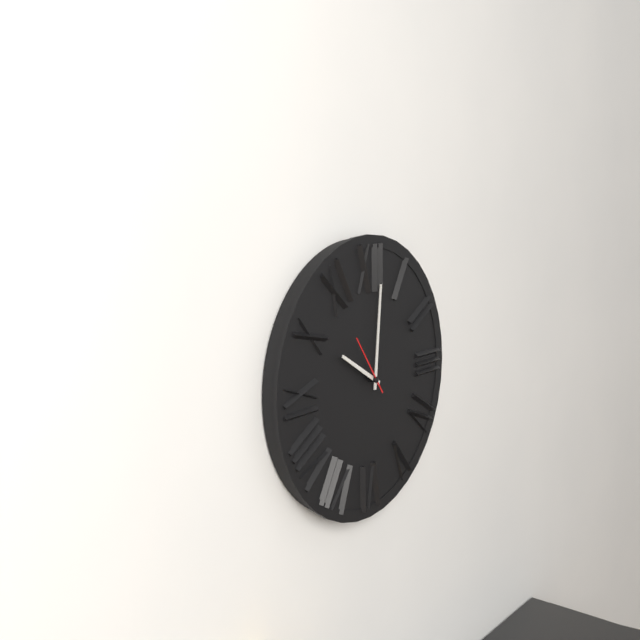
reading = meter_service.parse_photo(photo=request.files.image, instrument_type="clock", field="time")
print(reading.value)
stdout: 10:01:54
